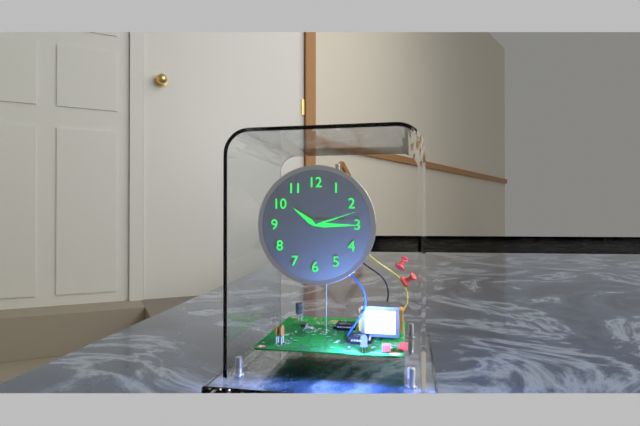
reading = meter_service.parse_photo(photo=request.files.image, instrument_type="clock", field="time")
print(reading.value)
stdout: 10:15:12
